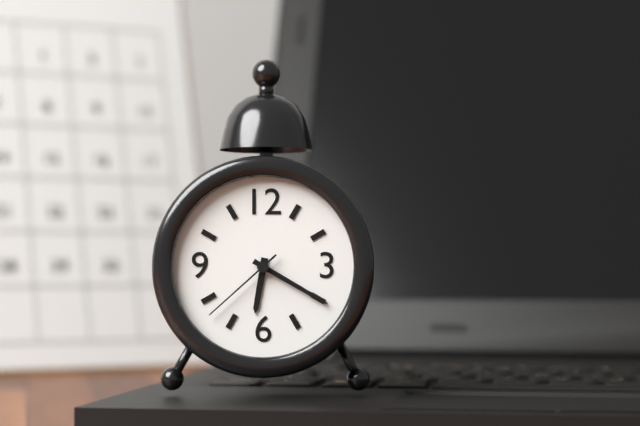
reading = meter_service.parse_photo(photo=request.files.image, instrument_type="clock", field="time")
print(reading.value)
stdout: 6:20:38
